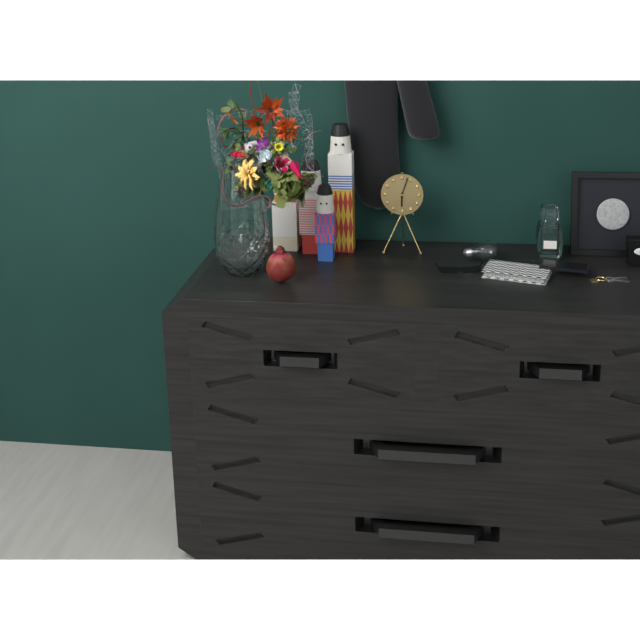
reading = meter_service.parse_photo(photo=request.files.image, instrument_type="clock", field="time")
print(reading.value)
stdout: 6:03
